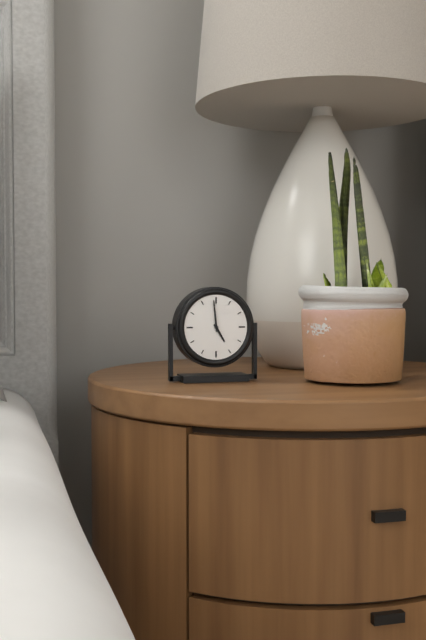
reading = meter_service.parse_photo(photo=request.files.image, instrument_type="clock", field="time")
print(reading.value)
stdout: 4:59
